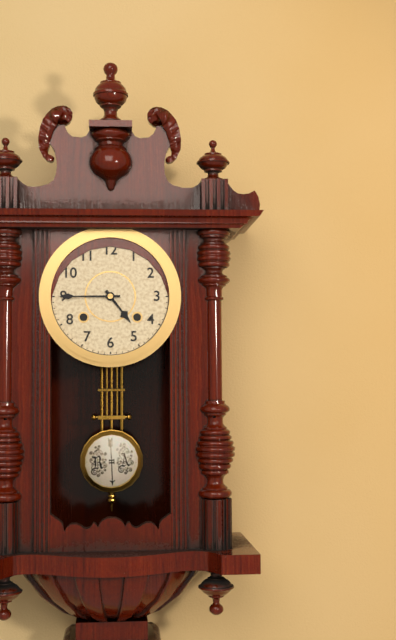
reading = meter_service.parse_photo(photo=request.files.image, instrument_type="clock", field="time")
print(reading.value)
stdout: 4:45
